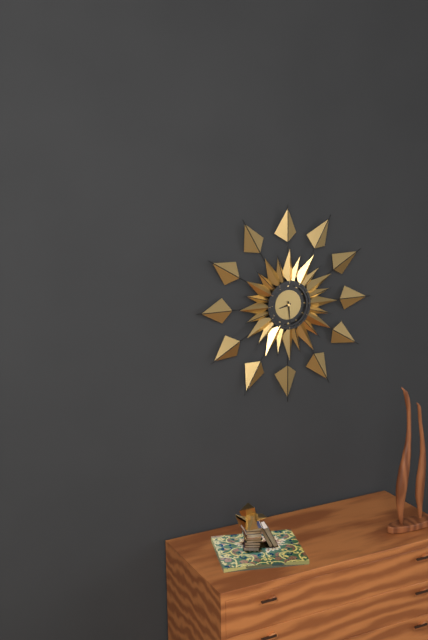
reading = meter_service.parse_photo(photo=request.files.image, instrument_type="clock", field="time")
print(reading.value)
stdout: 8:29
